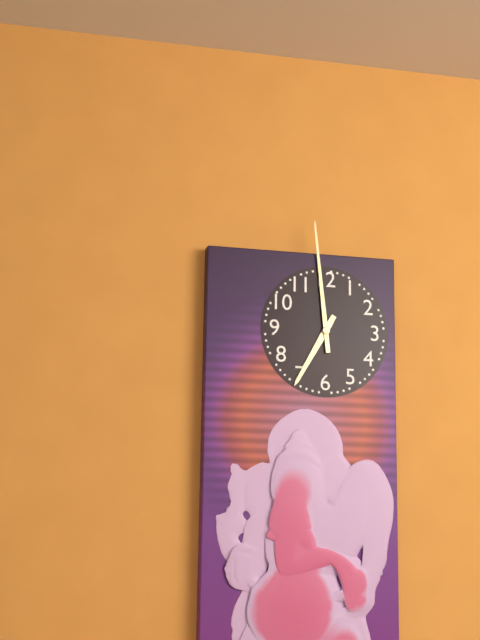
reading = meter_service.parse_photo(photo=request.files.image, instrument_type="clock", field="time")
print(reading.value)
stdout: 6:59
